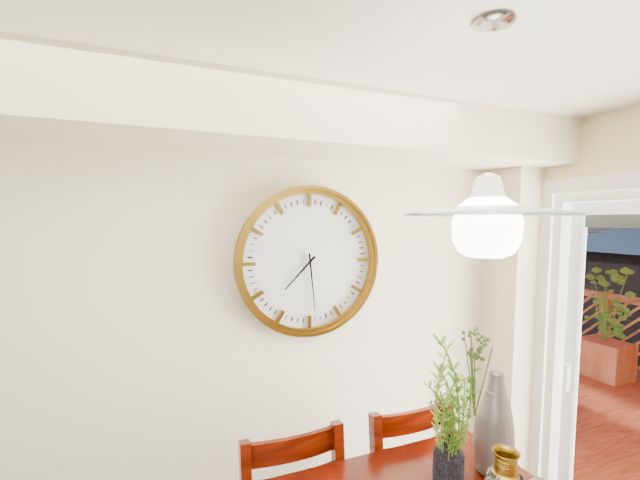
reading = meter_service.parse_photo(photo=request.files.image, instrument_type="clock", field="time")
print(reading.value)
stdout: 7:29
